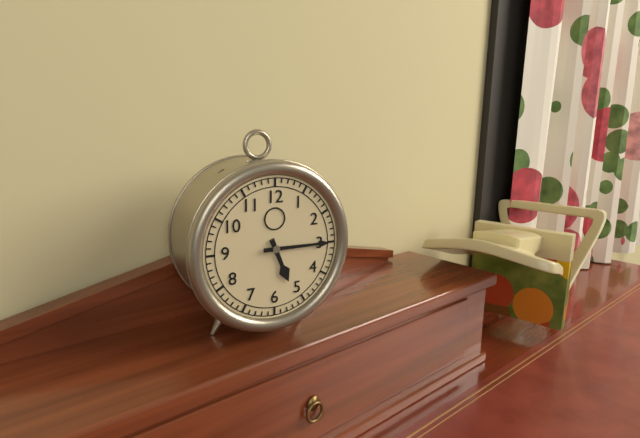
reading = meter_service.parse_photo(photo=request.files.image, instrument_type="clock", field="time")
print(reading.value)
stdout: 5:15
